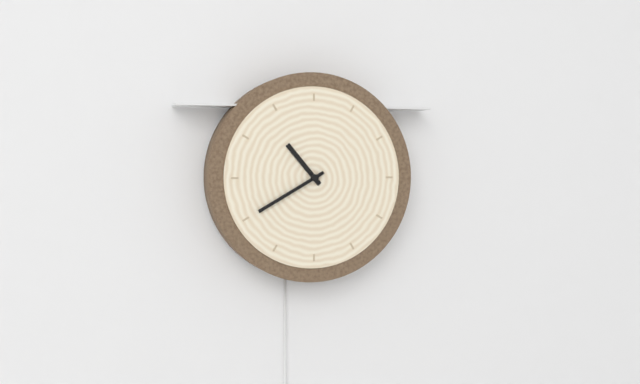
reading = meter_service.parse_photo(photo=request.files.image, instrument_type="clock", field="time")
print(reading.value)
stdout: 10:40
